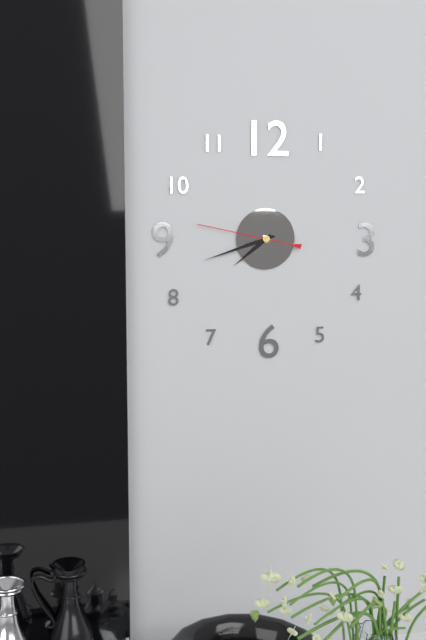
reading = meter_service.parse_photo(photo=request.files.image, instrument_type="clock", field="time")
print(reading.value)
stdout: 7:42:47
